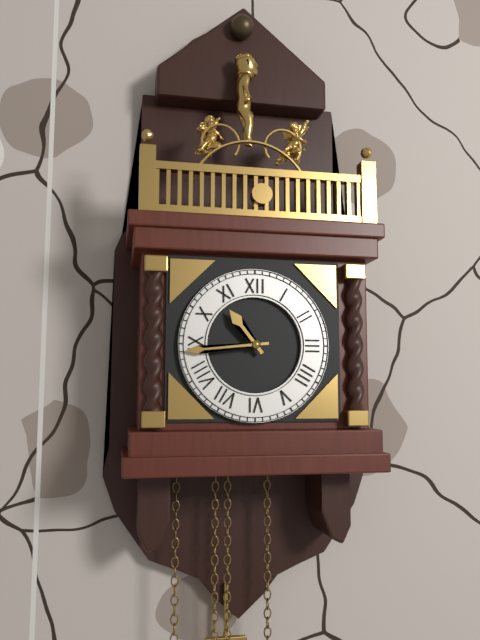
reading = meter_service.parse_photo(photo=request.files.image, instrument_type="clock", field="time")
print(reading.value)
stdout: 10:44
